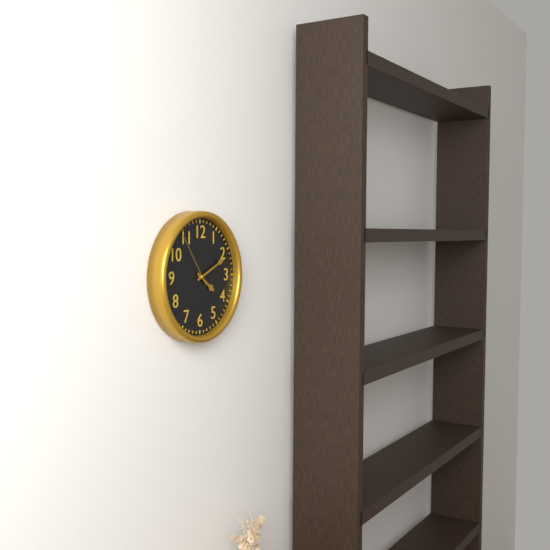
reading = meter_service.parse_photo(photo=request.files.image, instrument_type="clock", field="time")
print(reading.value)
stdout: 4:11:54
